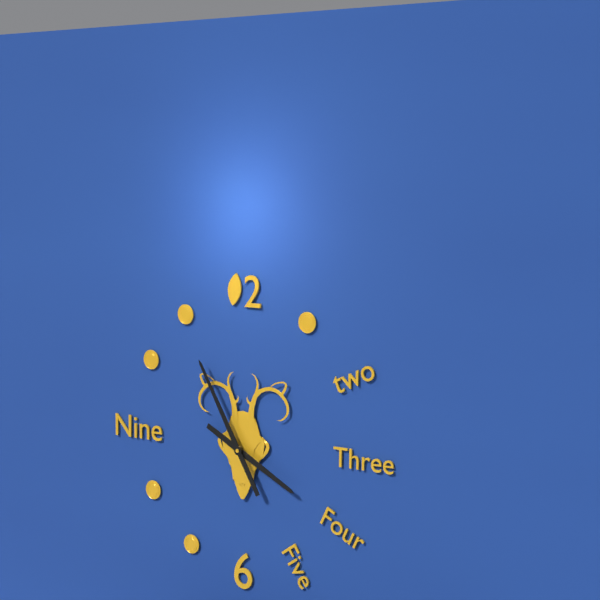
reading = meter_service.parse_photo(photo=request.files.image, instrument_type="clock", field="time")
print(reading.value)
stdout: 3:55
